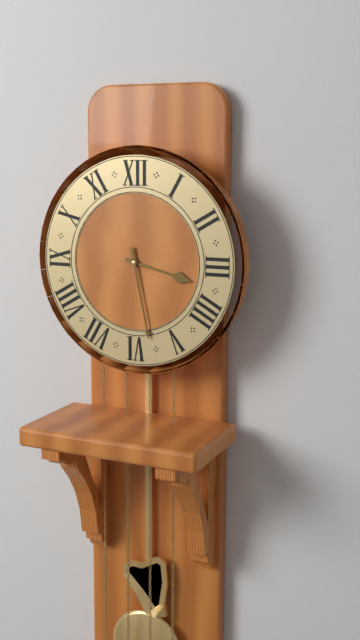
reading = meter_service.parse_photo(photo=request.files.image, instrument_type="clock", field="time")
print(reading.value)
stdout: 3:28
